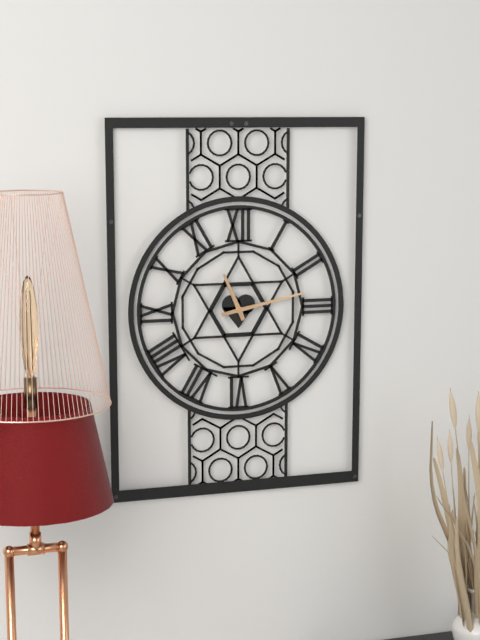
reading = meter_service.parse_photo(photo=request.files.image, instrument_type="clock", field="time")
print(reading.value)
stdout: 11:13
